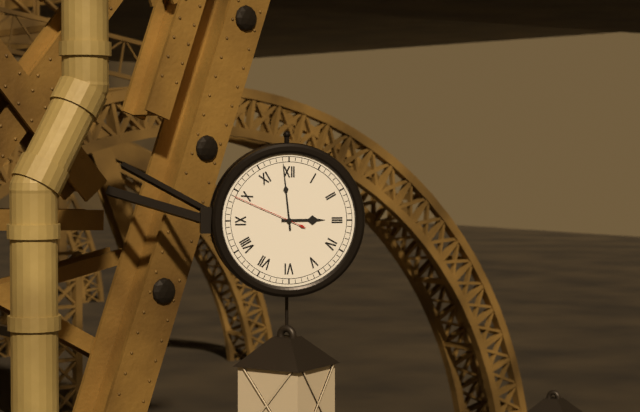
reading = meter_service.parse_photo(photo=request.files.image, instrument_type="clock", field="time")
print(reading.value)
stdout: 2:59:49
